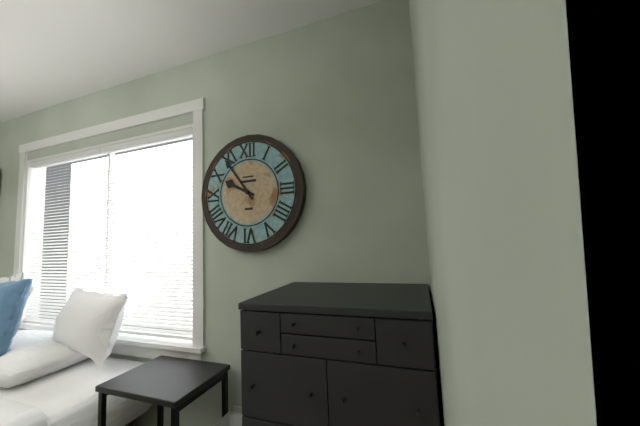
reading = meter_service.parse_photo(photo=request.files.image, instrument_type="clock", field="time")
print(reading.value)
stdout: 9:54
